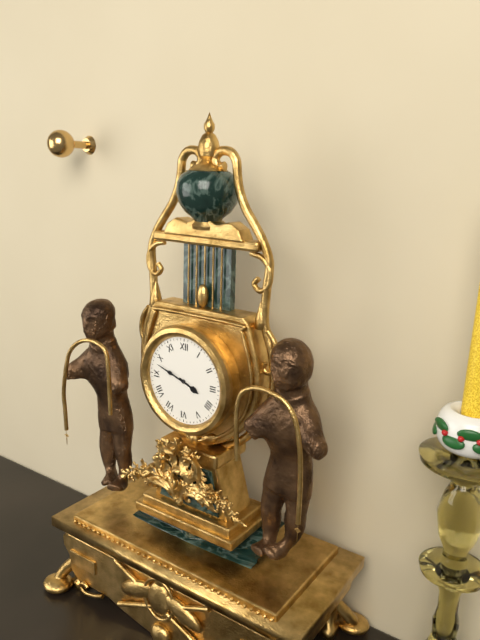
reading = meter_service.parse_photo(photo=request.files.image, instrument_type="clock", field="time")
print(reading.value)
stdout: 3:48
